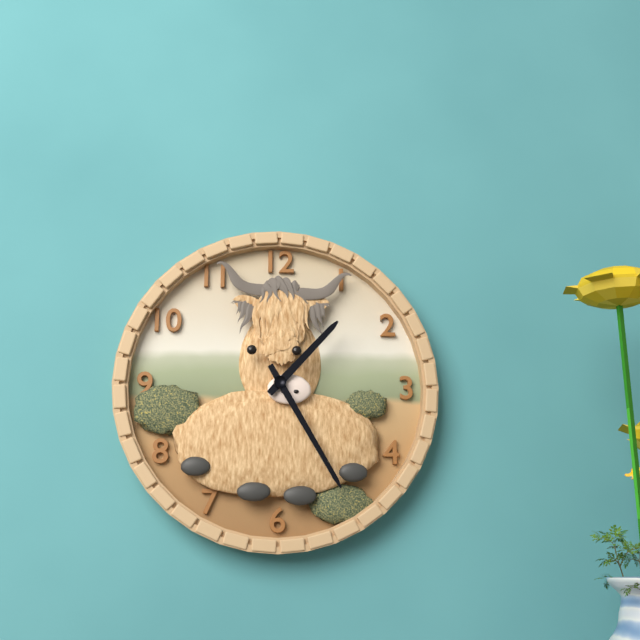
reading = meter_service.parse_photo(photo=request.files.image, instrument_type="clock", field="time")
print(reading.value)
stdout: 1:25
